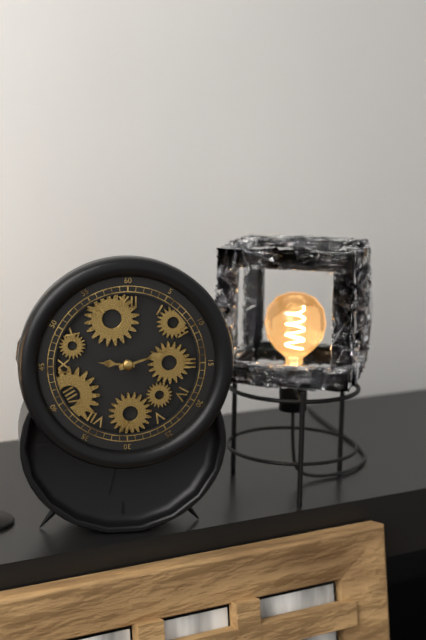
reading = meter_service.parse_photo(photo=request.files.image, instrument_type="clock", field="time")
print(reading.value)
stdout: 9:12
